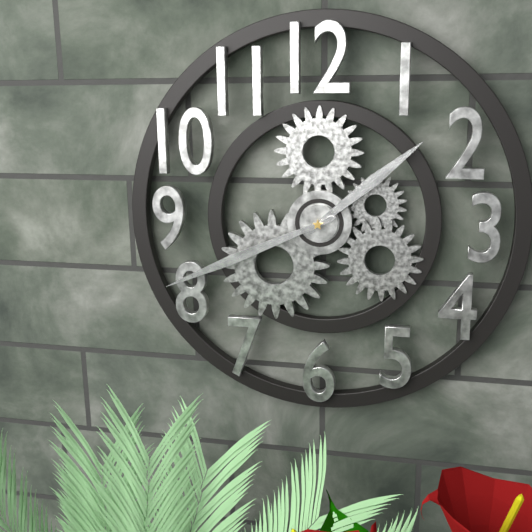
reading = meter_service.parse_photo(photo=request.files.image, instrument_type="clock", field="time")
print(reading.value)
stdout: 1:41
